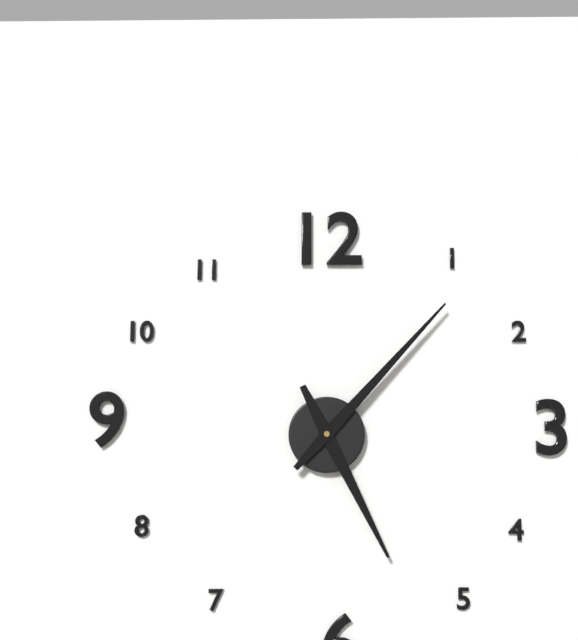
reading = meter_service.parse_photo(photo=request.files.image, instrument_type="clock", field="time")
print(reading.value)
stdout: 5:07
